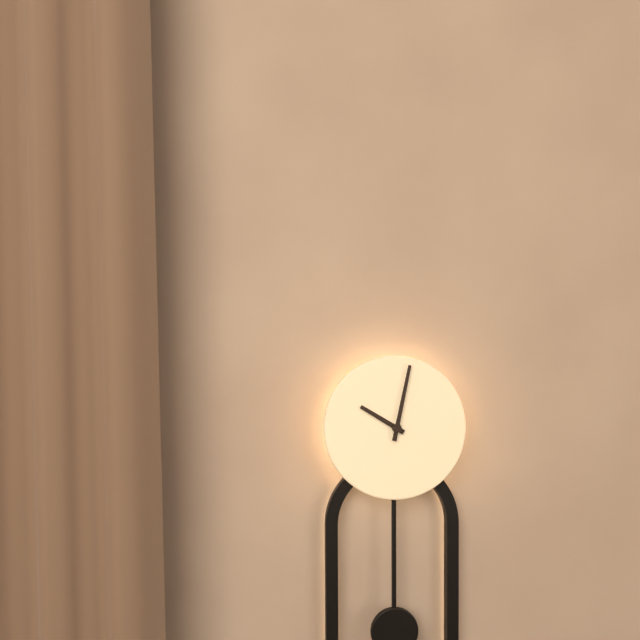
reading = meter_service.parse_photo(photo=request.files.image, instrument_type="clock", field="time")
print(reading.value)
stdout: 10:02
